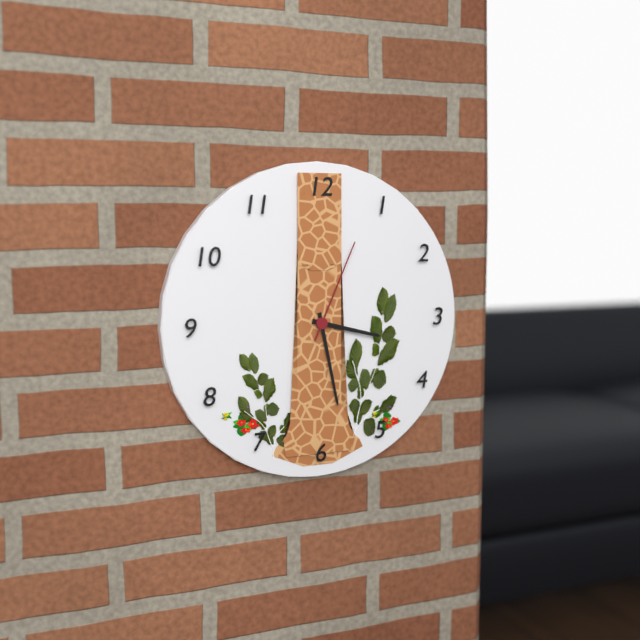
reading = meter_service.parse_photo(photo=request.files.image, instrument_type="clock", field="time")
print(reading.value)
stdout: 3:28:04
